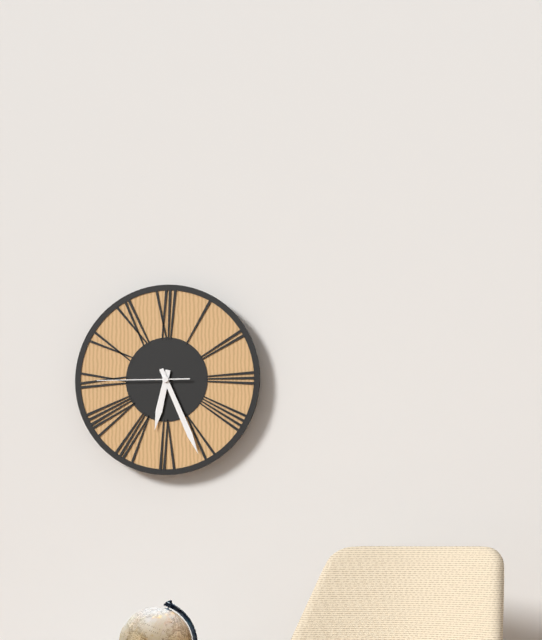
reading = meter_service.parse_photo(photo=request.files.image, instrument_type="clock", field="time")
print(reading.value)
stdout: 6:26:45
